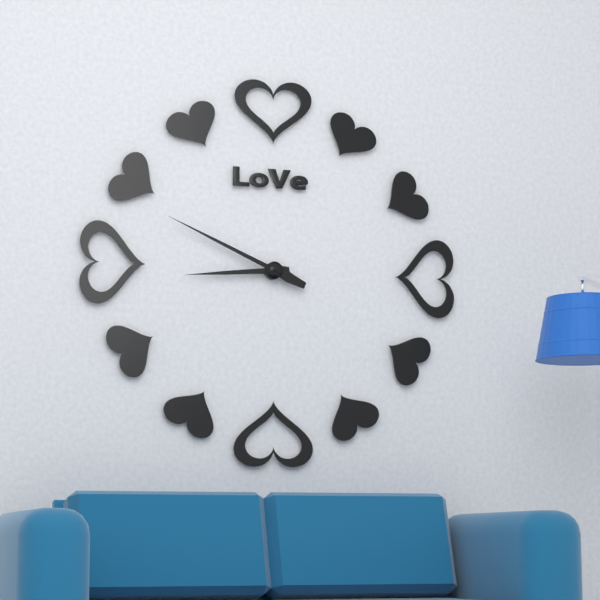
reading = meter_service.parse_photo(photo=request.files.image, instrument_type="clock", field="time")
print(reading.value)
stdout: 8:49
